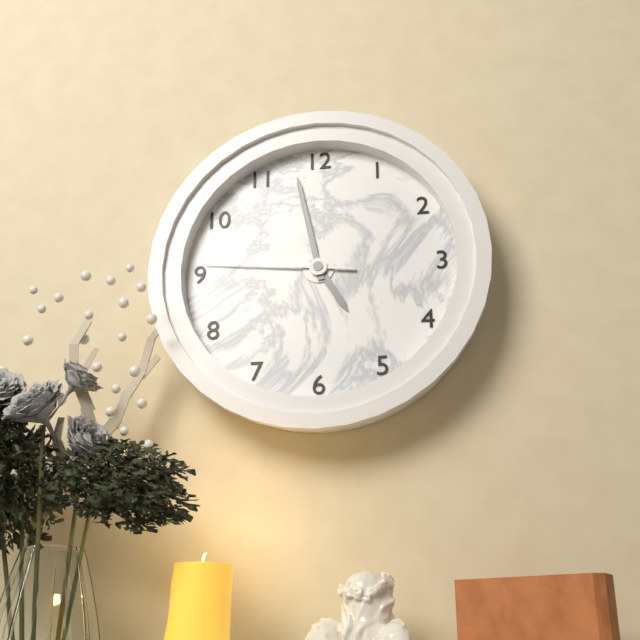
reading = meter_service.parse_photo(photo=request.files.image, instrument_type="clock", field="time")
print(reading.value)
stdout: 4:58:46
